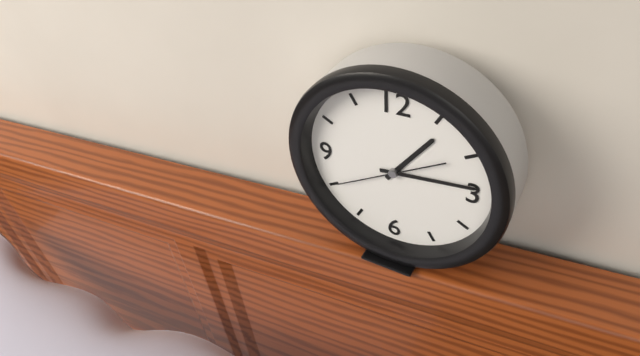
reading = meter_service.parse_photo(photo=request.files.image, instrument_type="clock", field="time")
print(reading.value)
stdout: 1:14:40
